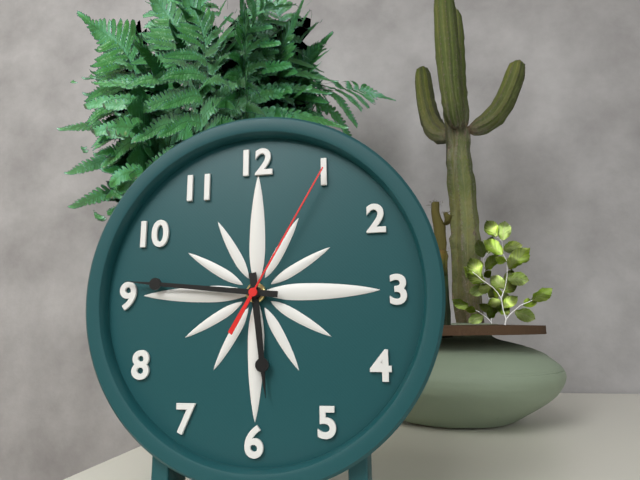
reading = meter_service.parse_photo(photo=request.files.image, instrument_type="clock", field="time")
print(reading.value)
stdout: 5:46:05
